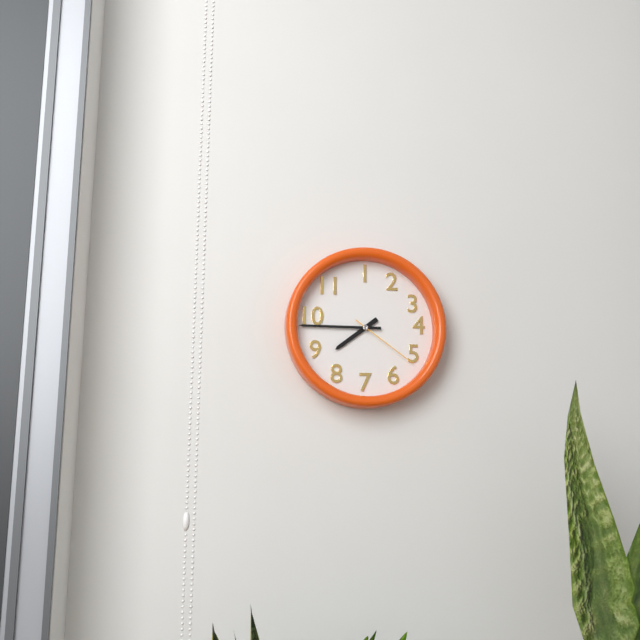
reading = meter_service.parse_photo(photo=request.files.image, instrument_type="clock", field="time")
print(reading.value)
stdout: 7:45:21
